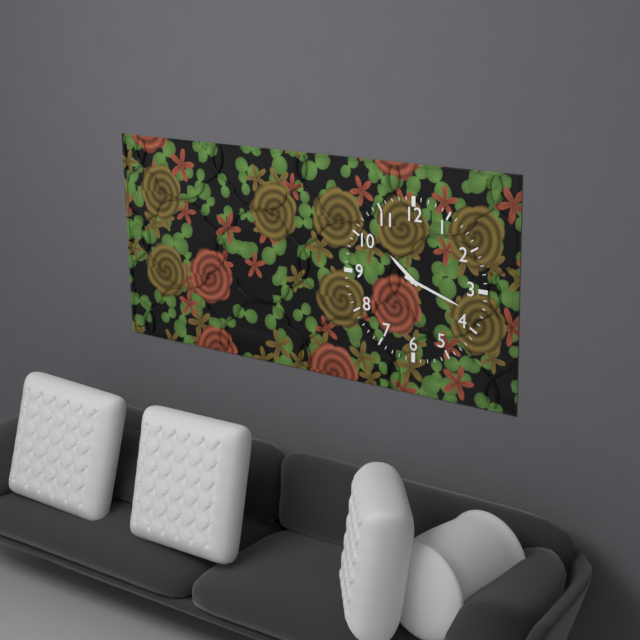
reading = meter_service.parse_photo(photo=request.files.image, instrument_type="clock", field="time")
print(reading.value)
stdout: 10:18
